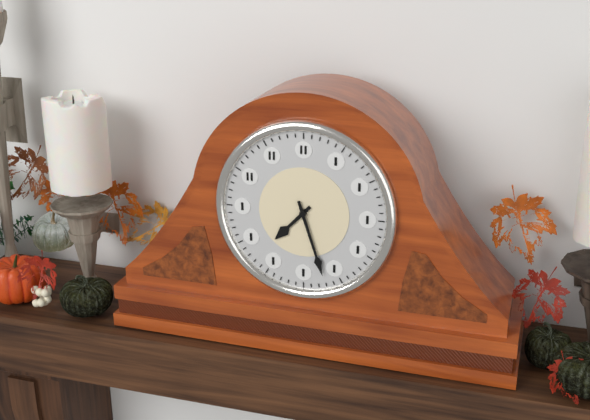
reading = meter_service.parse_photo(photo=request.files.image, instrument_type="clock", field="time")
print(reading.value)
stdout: 7:27
